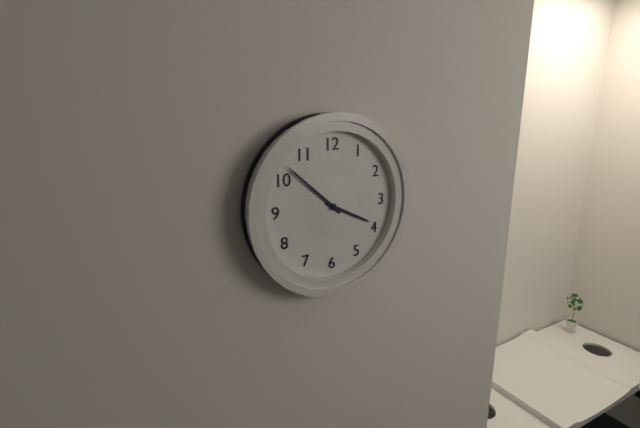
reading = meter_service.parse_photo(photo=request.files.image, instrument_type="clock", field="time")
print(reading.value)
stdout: 3:52
